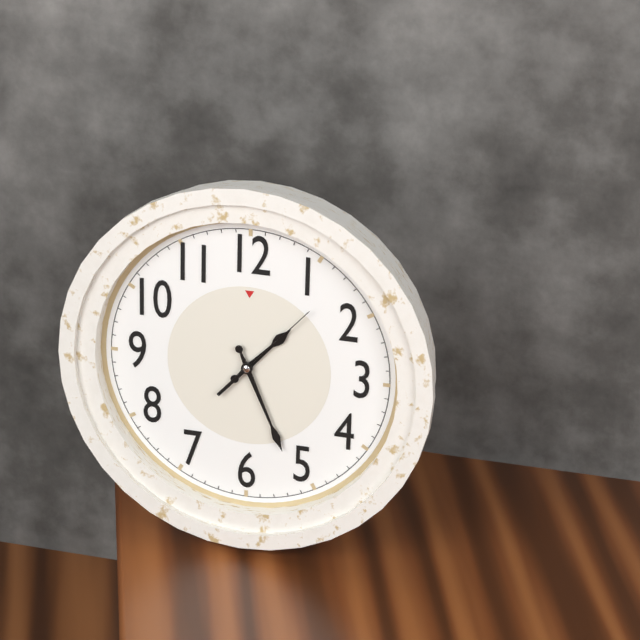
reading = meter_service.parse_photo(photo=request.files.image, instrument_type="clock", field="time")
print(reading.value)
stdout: 1:26:07
